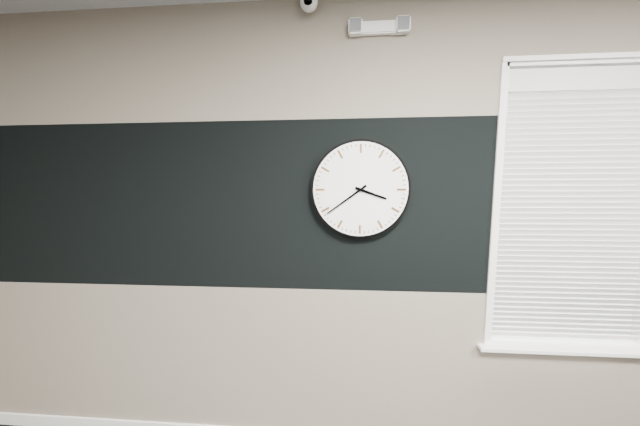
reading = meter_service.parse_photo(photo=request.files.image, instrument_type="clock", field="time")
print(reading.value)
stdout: 3:39
